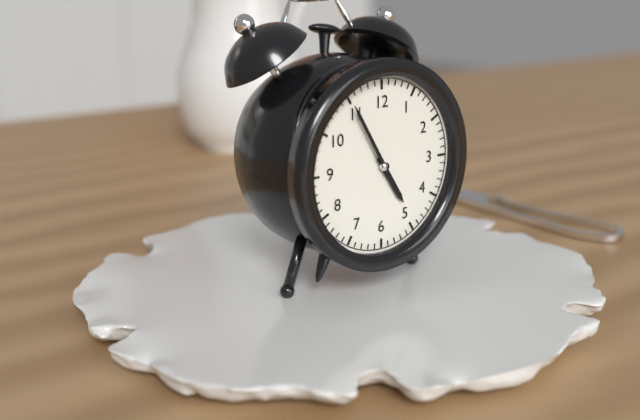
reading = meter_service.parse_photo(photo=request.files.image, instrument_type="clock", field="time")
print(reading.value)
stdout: 4:55
